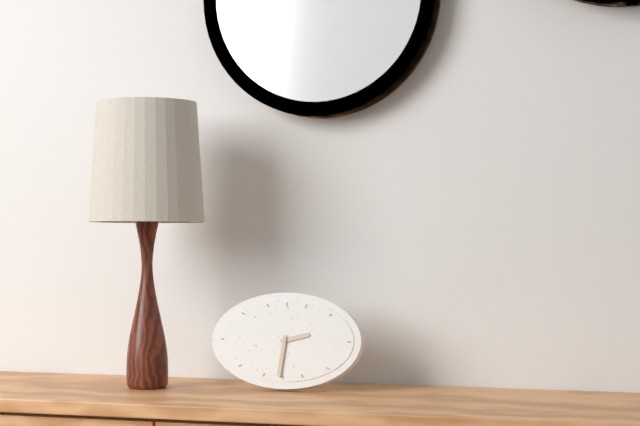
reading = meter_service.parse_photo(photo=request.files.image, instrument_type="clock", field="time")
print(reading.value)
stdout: 2:31
